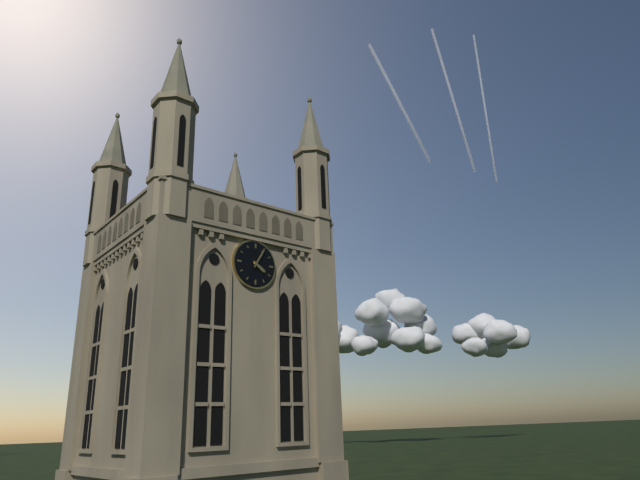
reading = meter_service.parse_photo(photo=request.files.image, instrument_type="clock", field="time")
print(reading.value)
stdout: 4:05
